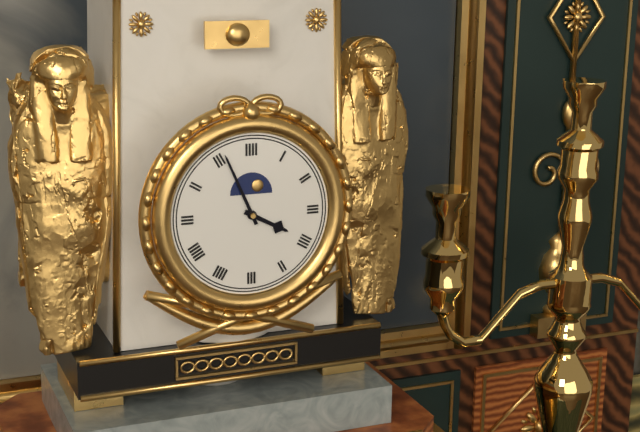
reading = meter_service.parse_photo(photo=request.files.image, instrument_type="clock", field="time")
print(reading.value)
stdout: 3:56
